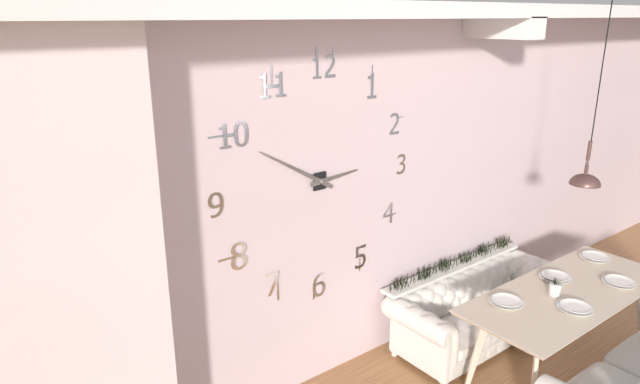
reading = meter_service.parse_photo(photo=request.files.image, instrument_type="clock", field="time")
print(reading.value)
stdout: 2:50
